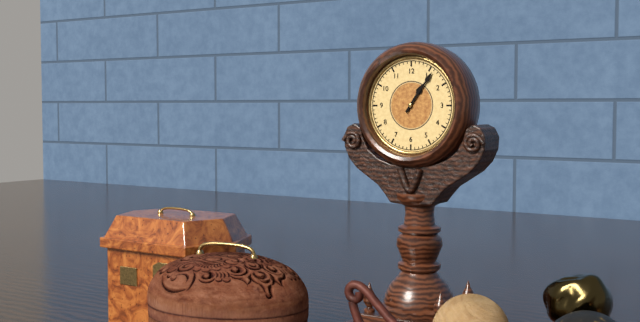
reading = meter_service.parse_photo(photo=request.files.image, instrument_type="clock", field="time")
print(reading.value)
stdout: 1:06
